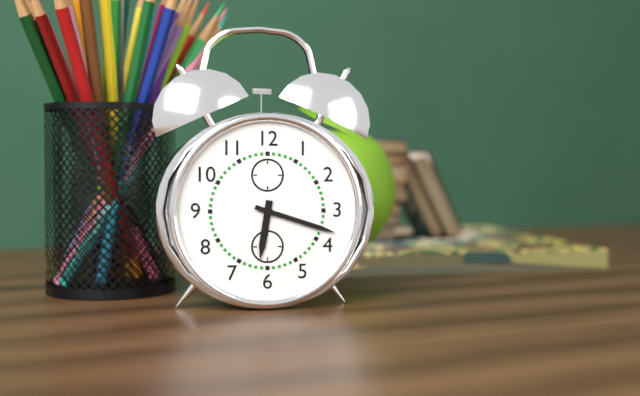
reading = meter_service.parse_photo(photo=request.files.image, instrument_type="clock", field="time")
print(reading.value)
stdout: 6:18
